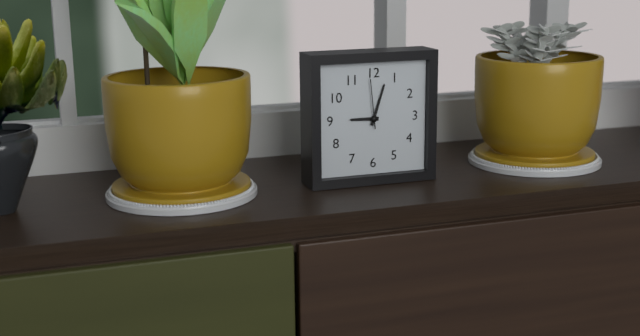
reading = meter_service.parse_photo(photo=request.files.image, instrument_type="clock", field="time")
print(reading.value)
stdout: 9:03:59
